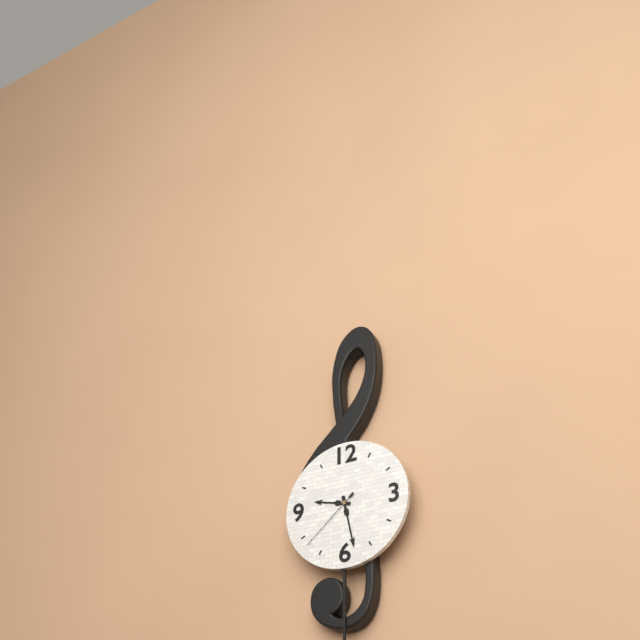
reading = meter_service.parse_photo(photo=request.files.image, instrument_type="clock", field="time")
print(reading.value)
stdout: 9:28:38
